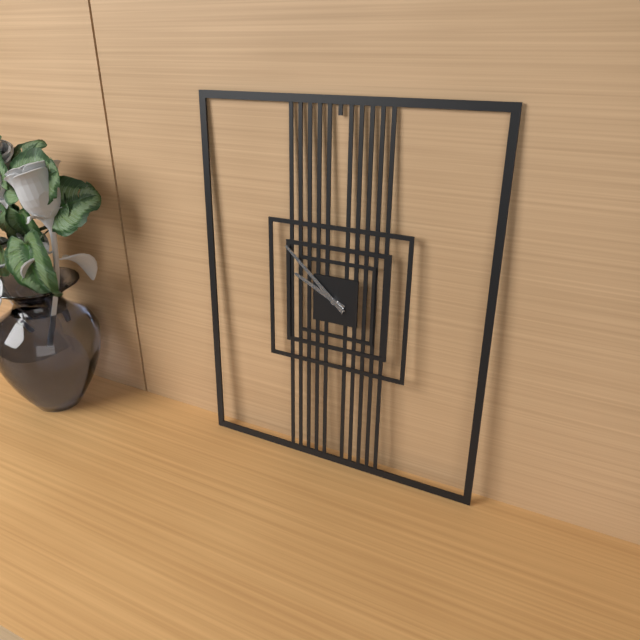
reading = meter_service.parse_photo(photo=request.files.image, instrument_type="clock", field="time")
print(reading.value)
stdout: 9:52
